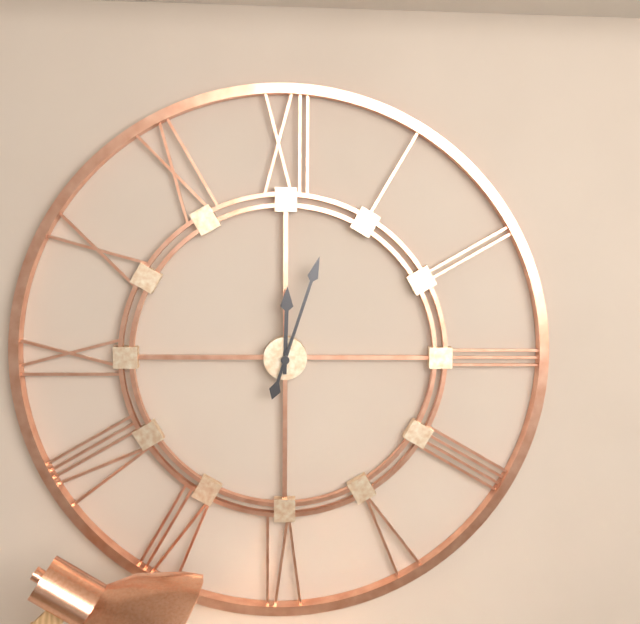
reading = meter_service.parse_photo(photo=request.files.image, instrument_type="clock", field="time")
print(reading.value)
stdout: 12:03
